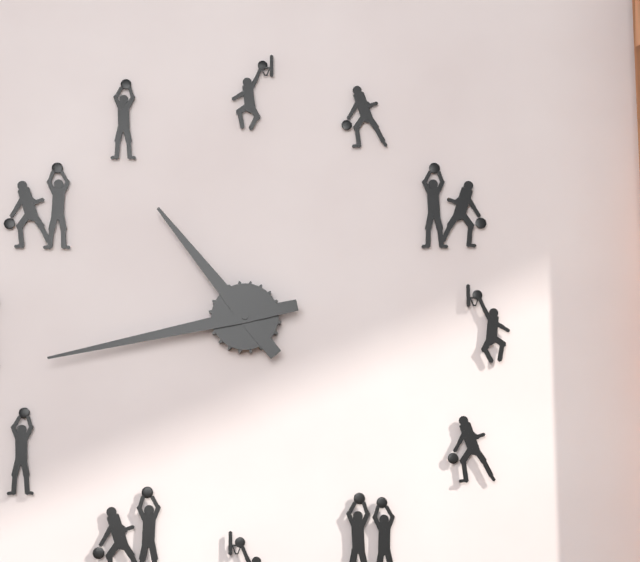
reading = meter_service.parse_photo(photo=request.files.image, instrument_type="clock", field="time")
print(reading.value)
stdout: 10:43
